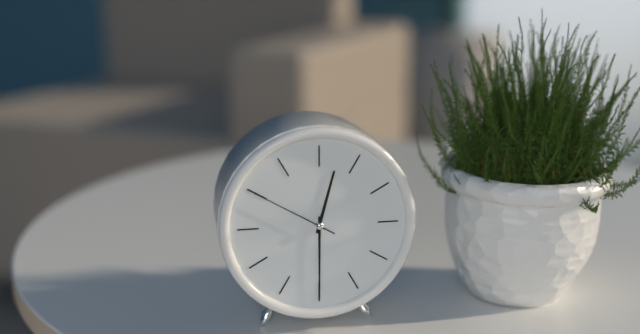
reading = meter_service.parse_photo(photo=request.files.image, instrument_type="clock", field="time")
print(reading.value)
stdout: 12:30:50
